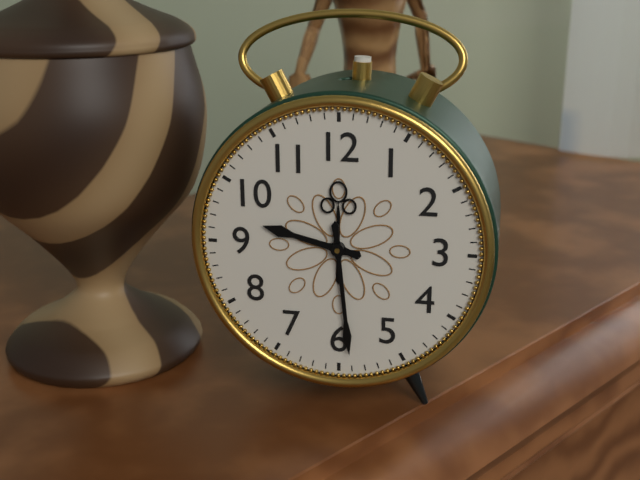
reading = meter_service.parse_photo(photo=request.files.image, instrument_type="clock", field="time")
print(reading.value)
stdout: 9:29
